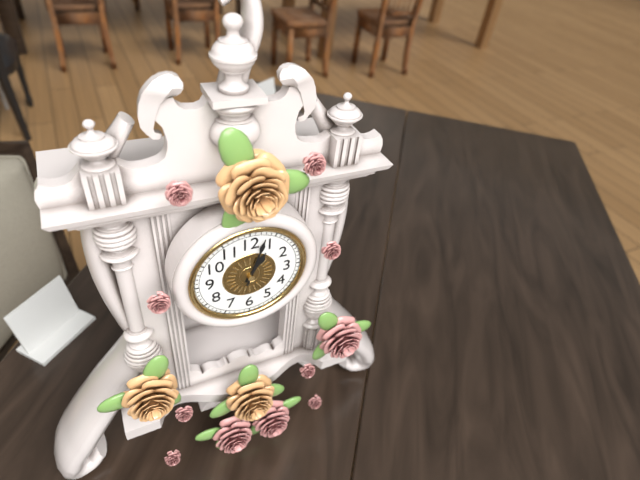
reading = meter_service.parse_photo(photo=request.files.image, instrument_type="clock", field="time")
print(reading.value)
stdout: 1:03
